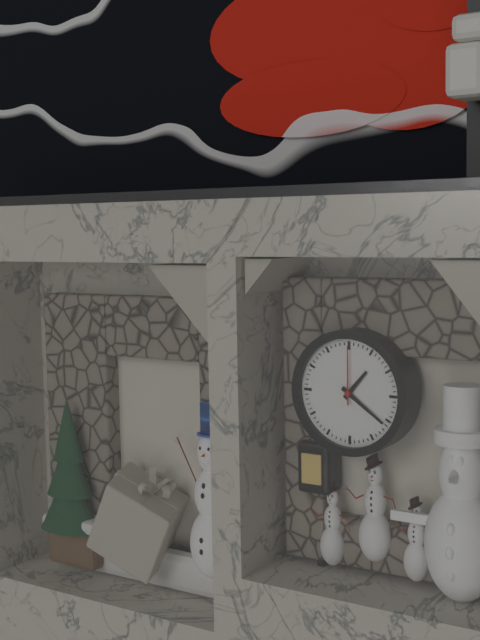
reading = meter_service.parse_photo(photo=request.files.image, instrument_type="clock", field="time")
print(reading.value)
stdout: 1:21:00
